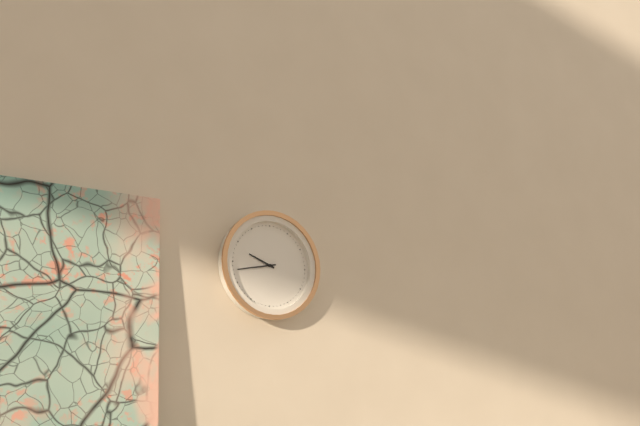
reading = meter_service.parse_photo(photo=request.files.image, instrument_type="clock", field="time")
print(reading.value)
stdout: 9:43
